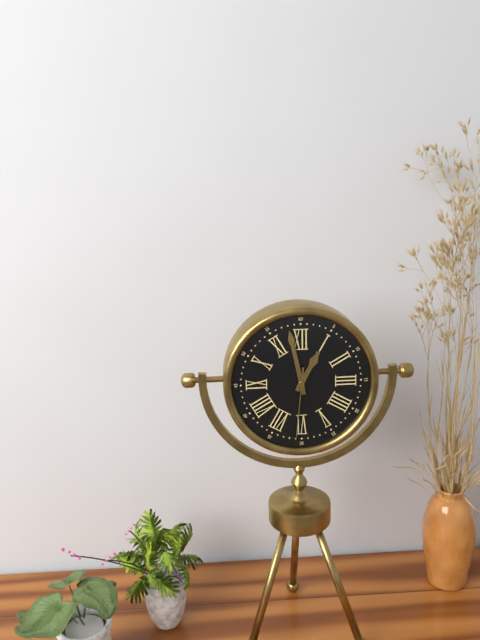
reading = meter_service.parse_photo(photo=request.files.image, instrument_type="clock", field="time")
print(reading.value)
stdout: 12:58:31
